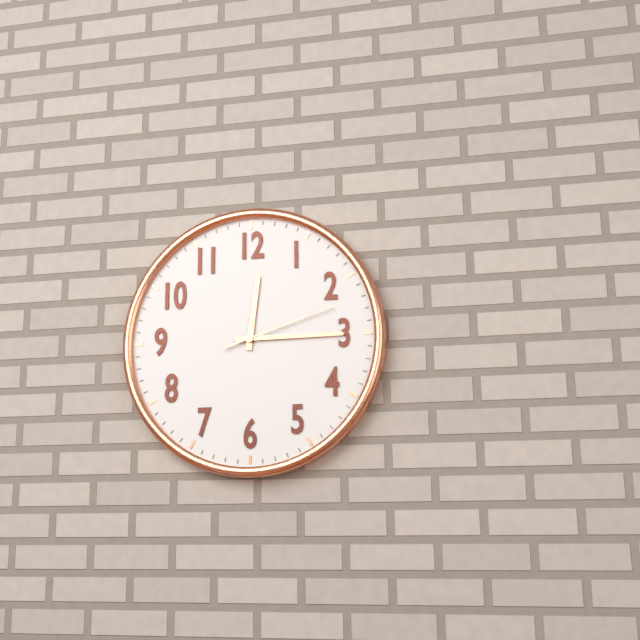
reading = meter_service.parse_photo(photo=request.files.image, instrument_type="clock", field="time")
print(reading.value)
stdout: 12:15:12
